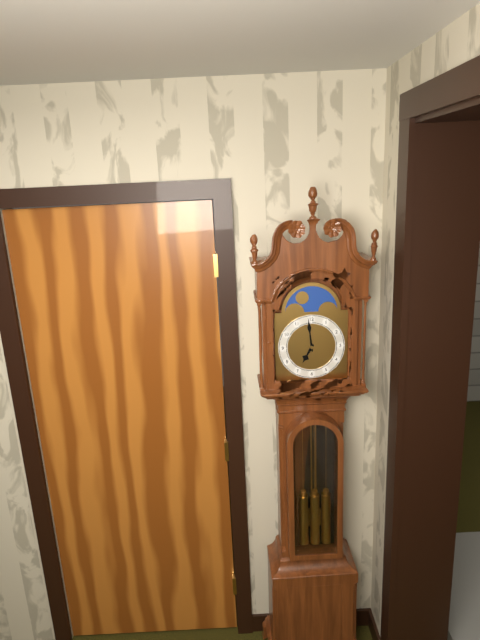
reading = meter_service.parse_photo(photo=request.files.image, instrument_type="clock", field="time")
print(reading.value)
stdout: 6:59
